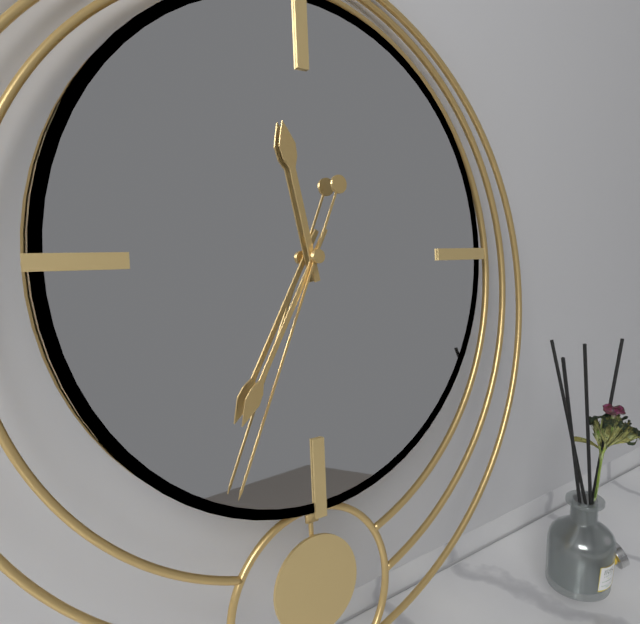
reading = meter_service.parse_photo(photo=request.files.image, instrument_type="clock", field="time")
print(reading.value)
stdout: 11:35:34
